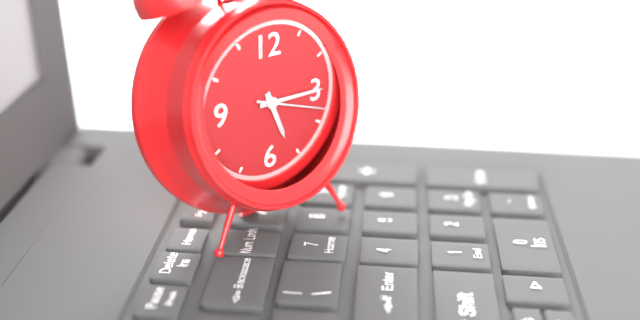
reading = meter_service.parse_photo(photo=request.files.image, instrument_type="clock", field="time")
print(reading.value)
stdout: 5:15:18
